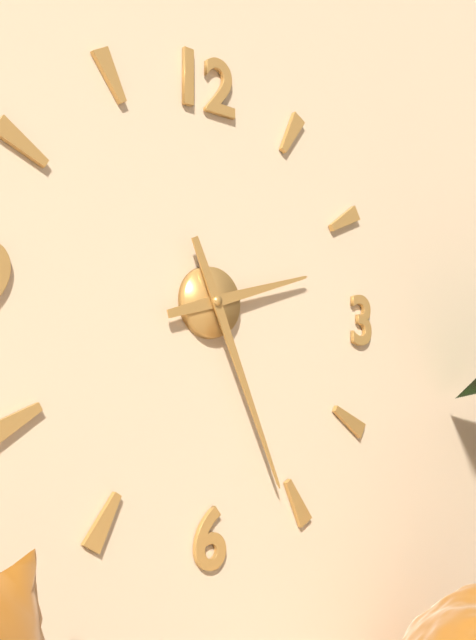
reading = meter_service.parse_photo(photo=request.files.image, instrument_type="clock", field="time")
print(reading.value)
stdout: 2:26
